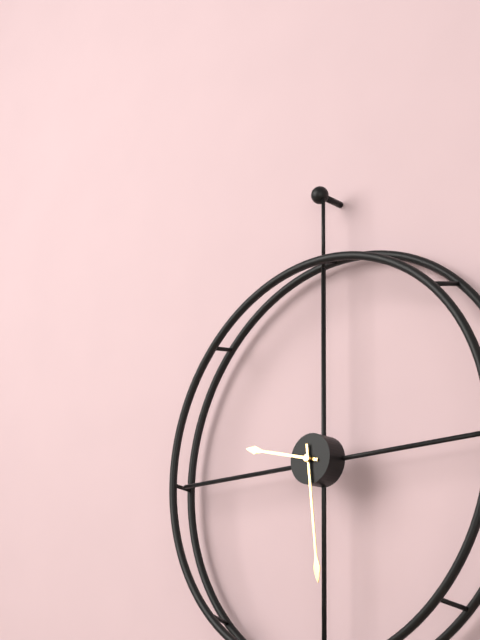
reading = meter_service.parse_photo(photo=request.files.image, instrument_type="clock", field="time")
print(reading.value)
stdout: 9:29
